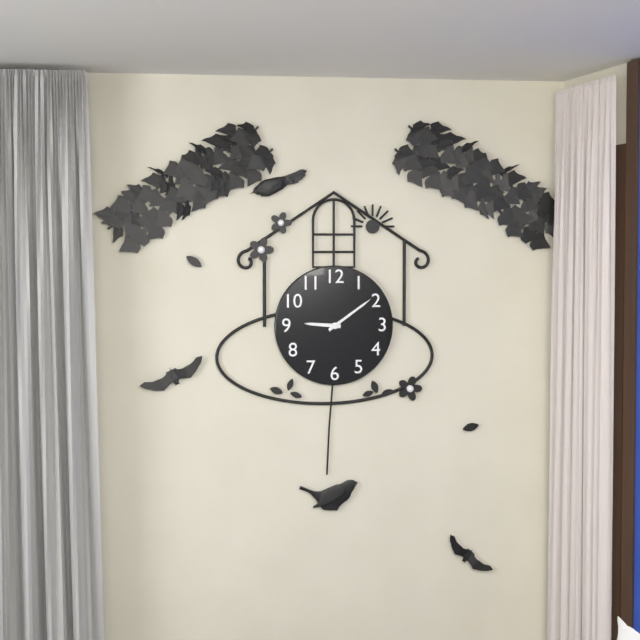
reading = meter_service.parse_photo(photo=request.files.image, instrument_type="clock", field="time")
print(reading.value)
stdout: 9:09
